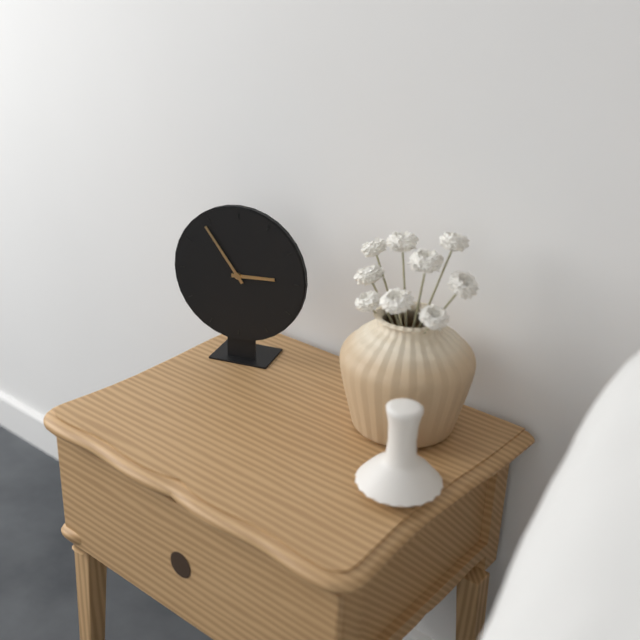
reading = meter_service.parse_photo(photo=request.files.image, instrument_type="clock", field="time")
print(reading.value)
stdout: 2:54
